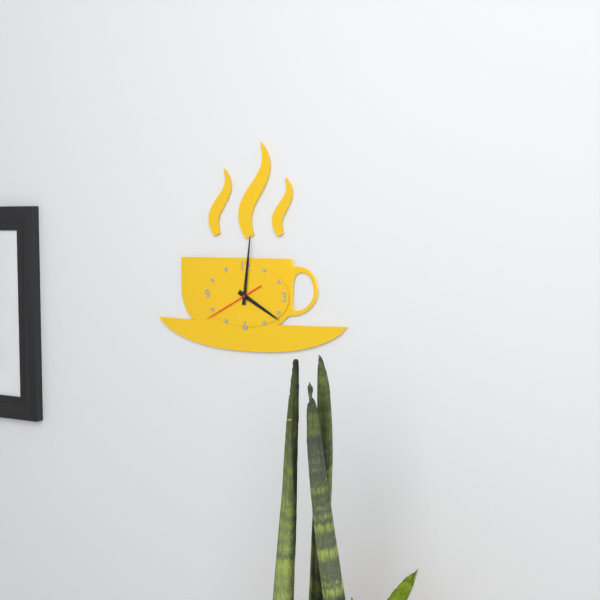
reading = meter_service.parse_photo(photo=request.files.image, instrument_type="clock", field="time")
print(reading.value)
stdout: 4:01:40
